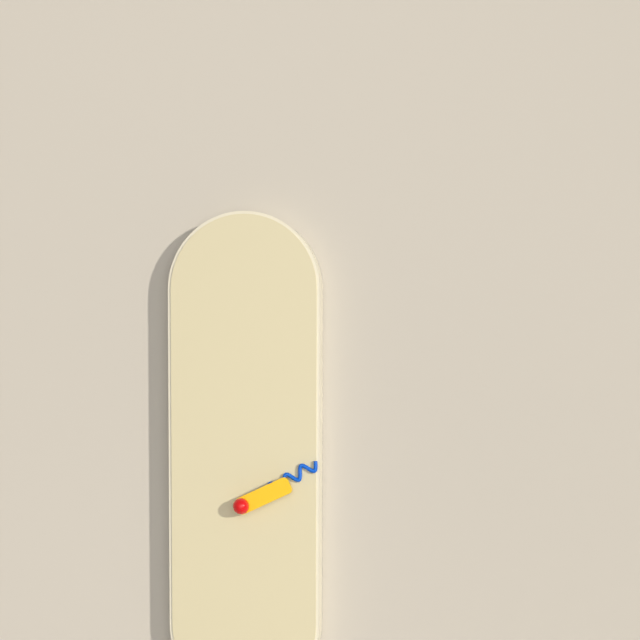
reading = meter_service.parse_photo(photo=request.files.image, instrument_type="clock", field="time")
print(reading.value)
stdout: 2:10
